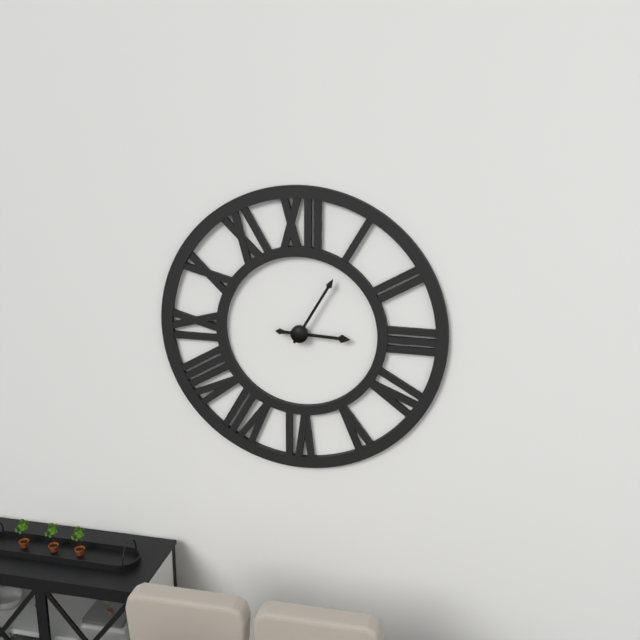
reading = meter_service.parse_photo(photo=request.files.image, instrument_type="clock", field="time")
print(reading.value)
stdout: 3:05
